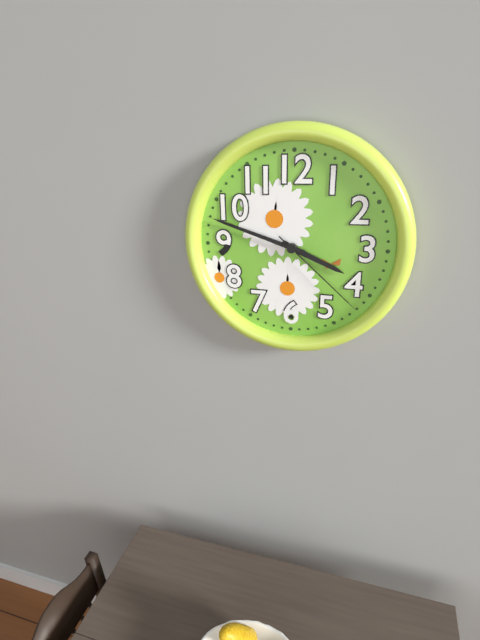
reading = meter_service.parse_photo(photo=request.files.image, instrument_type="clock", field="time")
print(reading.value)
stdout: 3:48:22
